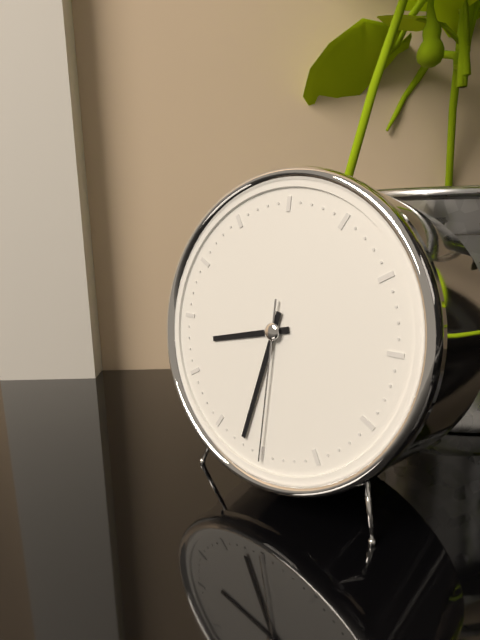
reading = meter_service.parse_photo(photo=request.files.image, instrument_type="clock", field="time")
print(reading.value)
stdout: 8:32:30
